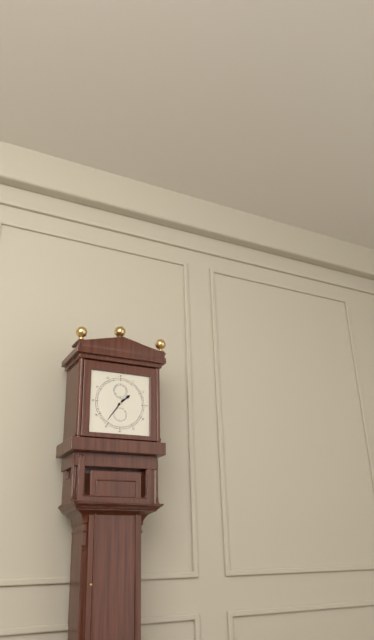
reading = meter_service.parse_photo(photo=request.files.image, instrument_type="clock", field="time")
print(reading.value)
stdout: 1:36
